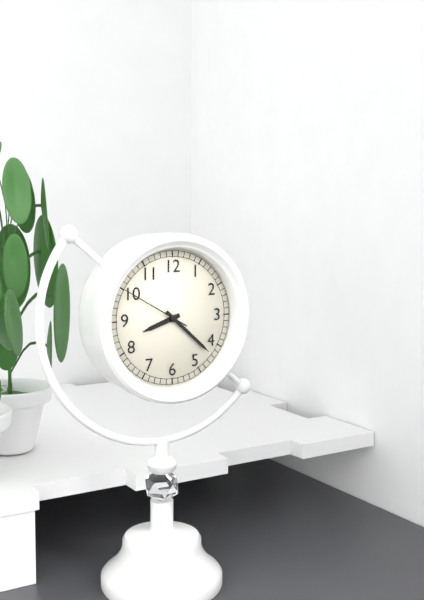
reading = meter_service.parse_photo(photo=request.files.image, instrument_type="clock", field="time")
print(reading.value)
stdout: 8:22:50
